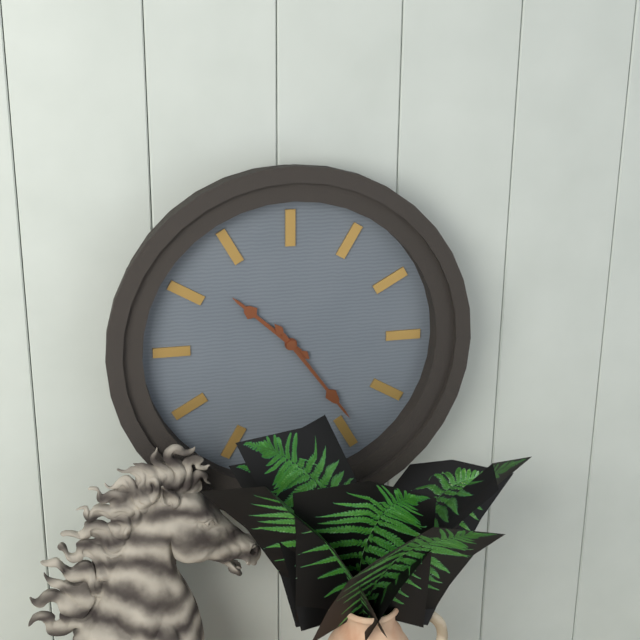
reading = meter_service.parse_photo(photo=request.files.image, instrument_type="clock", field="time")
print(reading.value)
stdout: 10:24
